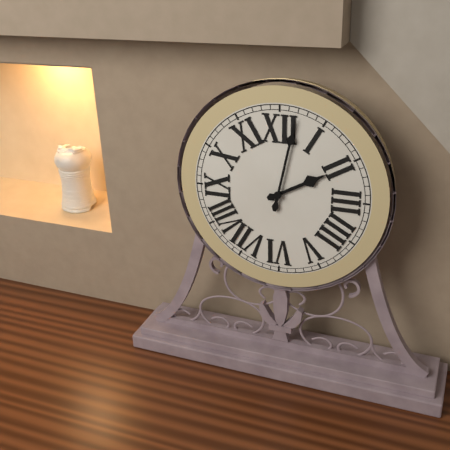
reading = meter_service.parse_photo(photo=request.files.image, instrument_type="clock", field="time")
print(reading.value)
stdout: 2:02
